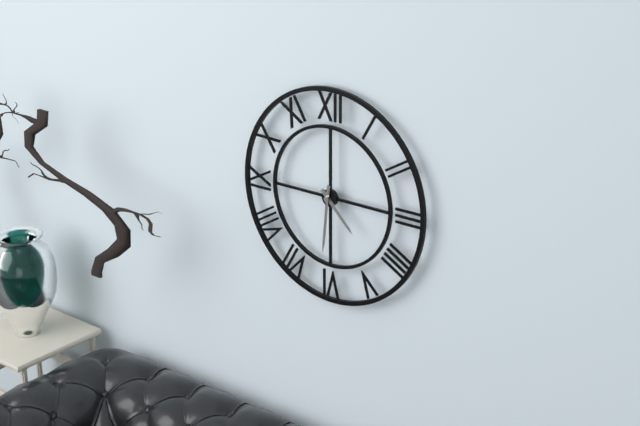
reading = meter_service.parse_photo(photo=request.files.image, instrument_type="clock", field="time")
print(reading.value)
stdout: 4:31
